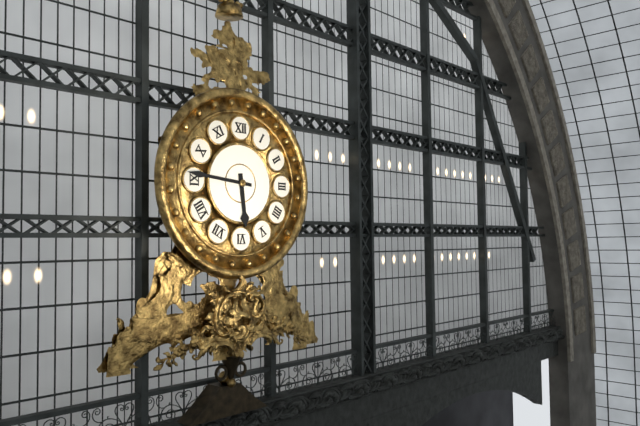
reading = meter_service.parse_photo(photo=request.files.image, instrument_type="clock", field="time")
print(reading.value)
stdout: 5:46
